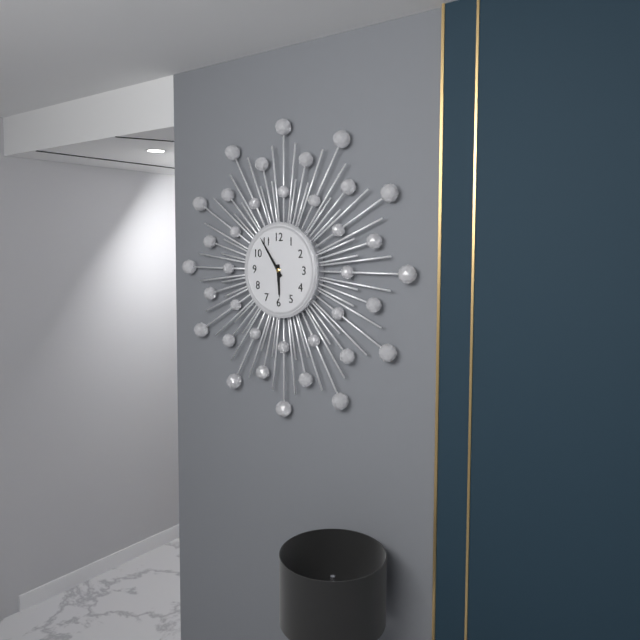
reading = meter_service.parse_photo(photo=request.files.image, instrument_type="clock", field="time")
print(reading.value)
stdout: 5:54
